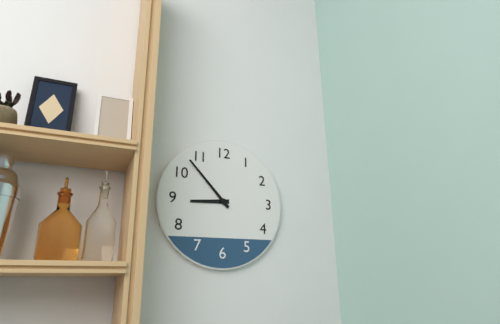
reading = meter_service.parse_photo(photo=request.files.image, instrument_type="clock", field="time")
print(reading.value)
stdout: 8:53
